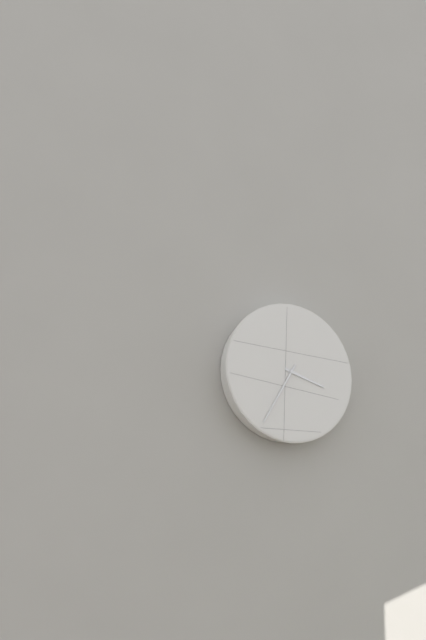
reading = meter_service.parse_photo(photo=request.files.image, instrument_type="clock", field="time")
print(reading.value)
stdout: 3:35
